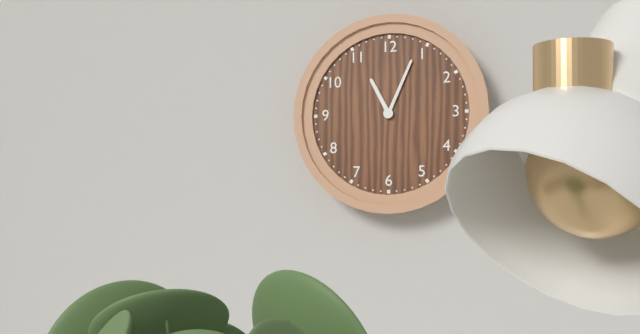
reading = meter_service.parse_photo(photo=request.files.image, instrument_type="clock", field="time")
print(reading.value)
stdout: 11:04
